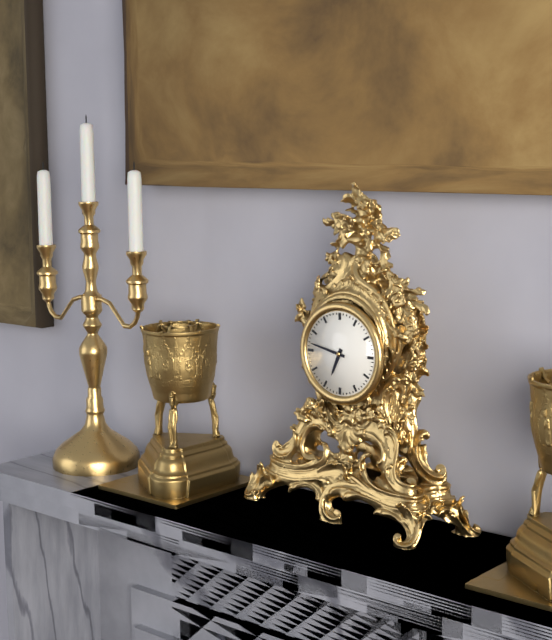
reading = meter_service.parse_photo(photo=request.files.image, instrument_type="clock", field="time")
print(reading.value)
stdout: 6:47
